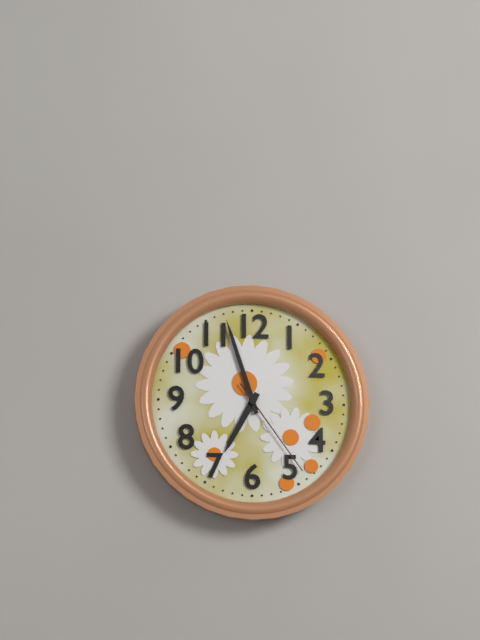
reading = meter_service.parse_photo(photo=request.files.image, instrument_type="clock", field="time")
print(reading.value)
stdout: 6:57:24
